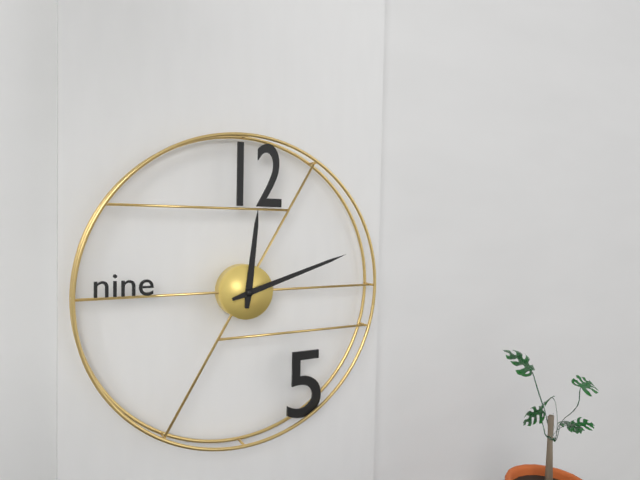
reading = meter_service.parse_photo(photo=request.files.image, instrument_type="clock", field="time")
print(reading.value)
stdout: 12:12
